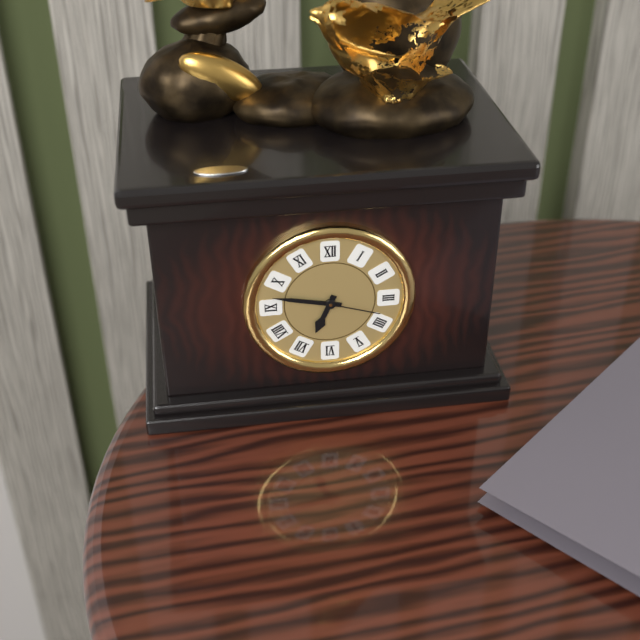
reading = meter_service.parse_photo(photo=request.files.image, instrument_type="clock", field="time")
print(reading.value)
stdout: 6:47:18
